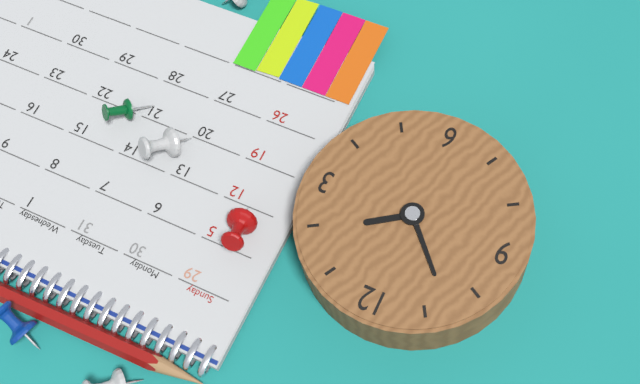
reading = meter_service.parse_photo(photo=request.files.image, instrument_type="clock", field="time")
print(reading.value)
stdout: 1:53
